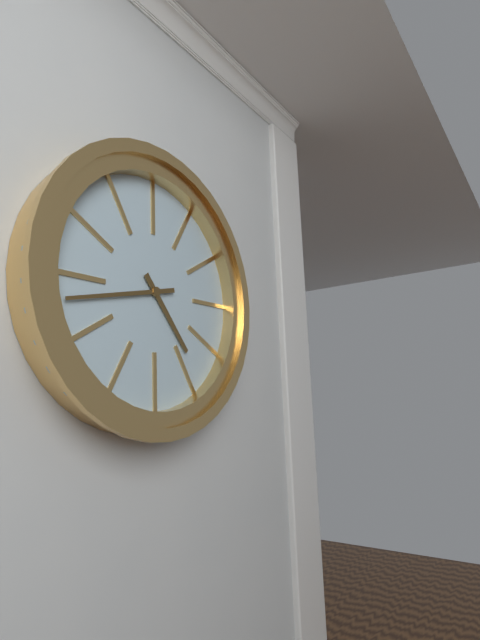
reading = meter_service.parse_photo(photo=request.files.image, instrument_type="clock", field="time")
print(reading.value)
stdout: 4:43
